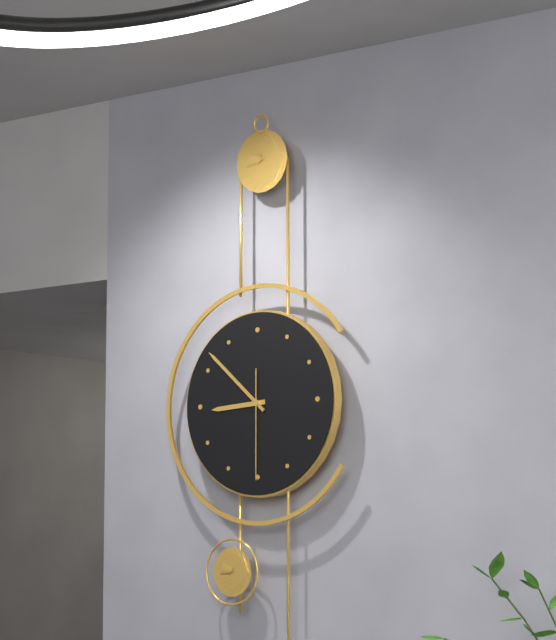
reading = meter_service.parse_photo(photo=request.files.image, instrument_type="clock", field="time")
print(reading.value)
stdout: 8:52:30
